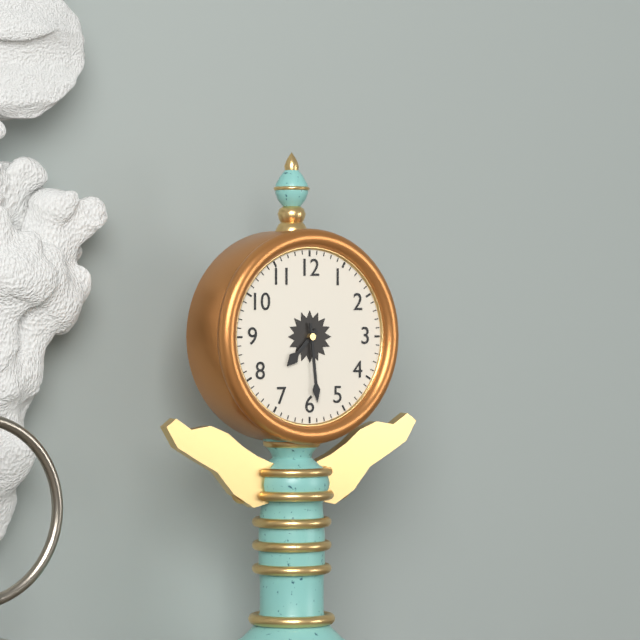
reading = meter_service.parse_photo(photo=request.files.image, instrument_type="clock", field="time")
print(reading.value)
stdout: 7:29
